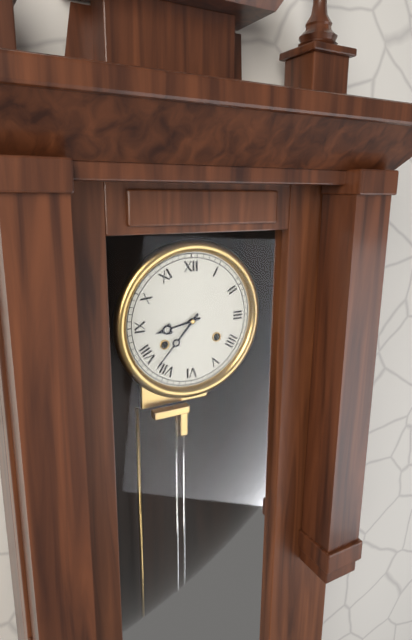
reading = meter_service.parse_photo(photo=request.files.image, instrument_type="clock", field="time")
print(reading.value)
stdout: 8:37
